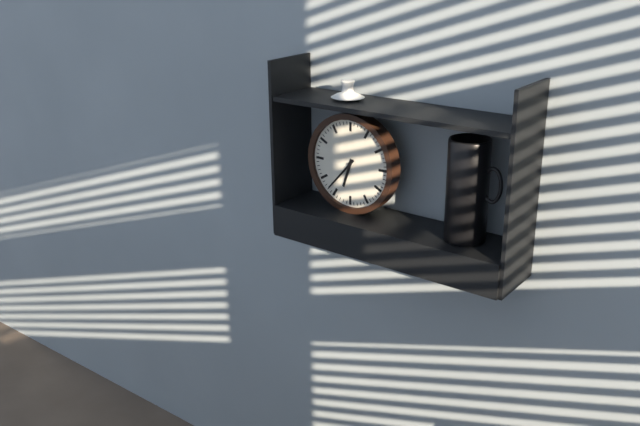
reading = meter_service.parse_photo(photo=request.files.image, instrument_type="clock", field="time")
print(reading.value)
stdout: 6:37
